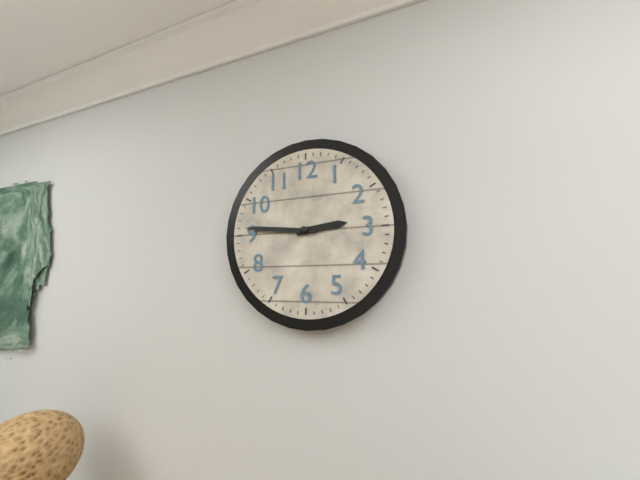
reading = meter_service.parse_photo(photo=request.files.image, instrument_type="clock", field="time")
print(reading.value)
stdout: 2:46
